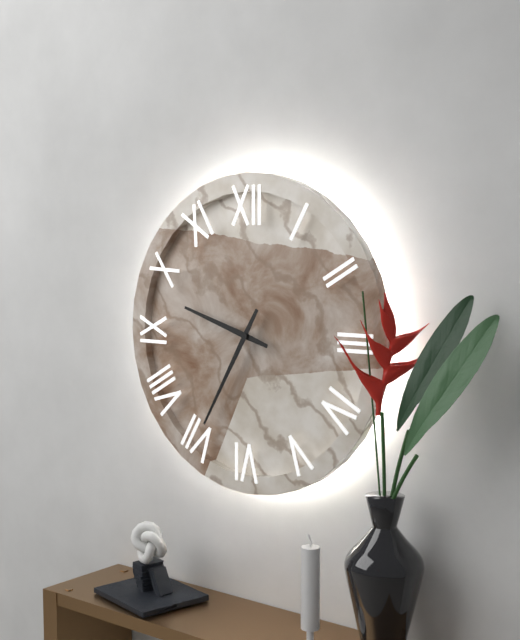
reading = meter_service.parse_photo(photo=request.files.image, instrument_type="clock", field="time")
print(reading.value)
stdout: 9:35
